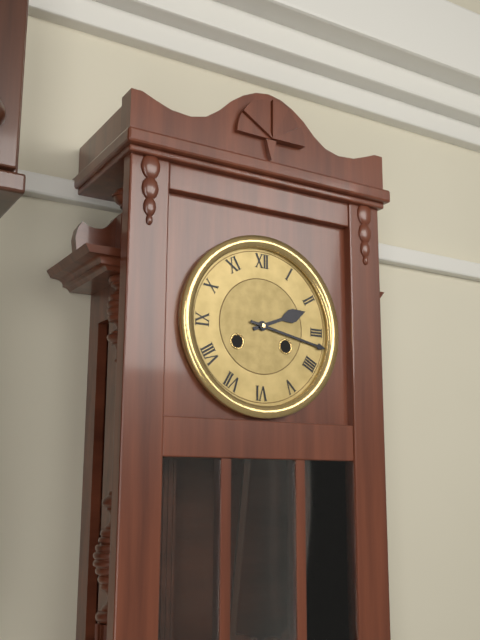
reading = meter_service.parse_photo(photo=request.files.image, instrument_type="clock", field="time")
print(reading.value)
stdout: 2:17
